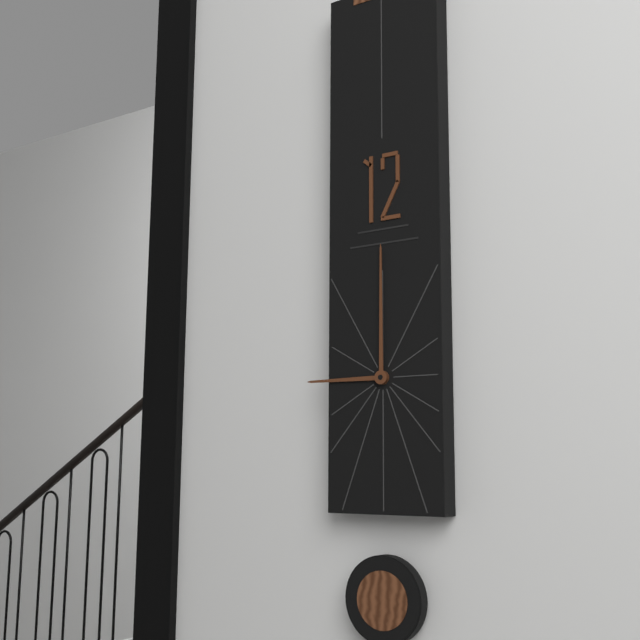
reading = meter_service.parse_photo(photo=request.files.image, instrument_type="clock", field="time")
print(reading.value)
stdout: 9:00
